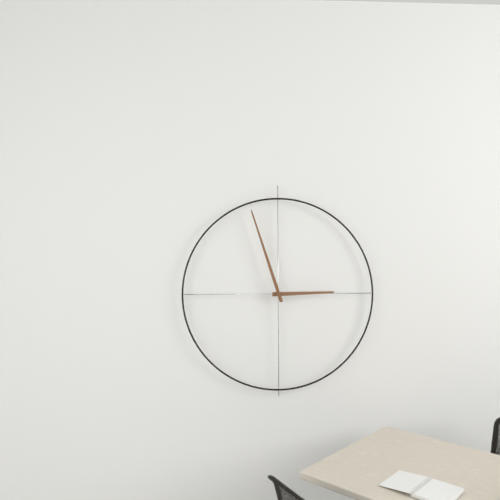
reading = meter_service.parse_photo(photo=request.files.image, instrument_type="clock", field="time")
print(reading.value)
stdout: 2:57
